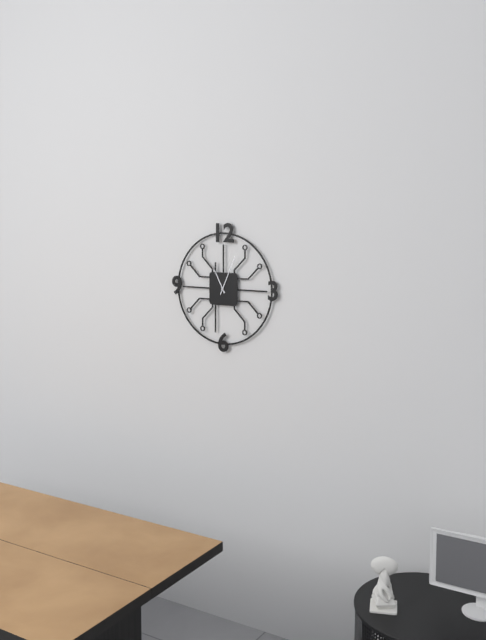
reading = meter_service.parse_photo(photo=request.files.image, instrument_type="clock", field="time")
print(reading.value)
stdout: 11:04
